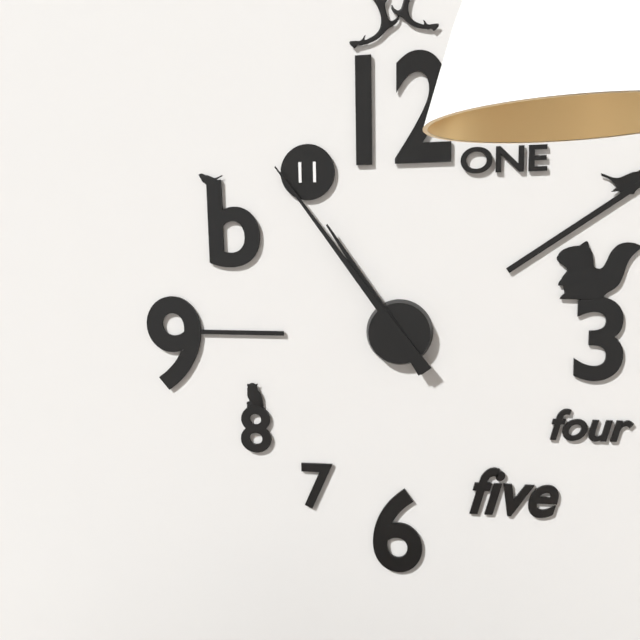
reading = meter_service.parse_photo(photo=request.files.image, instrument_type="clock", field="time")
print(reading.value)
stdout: 10:54
